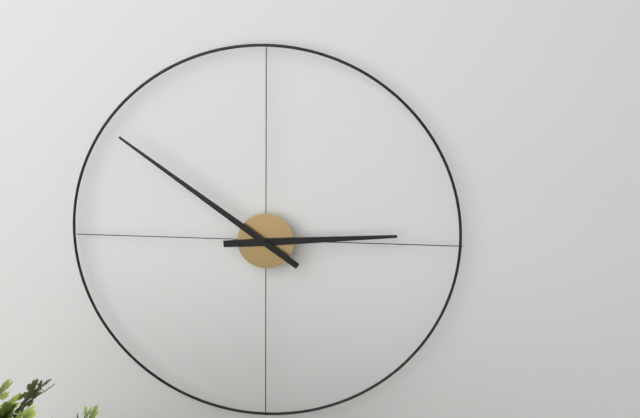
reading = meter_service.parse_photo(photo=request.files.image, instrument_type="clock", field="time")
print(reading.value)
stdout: 2:51
